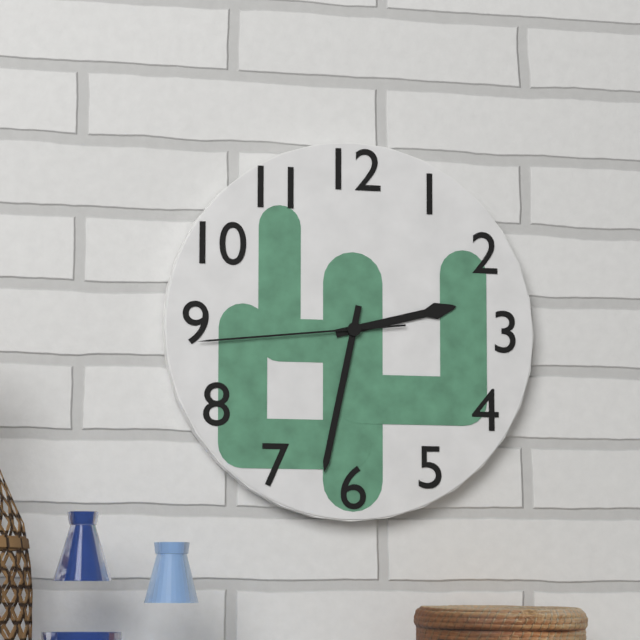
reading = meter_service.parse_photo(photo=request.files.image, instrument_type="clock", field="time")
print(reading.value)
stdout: 2:32:44
